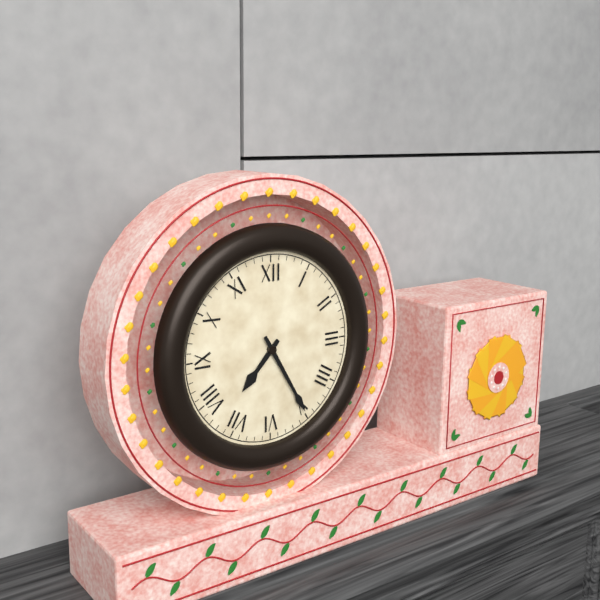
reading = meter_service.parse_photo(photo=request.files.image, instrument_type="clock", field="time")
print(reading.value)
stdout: 7:25
